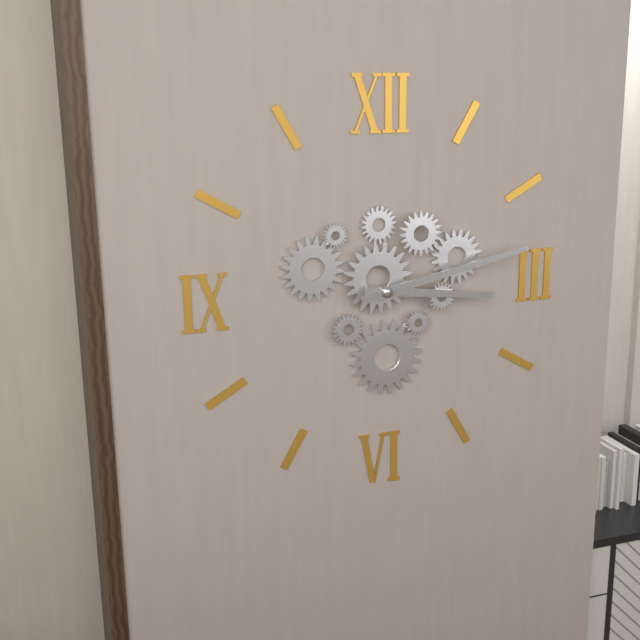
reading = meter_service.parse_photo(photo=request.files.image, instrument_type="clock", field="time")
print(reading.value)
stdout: 3:13
